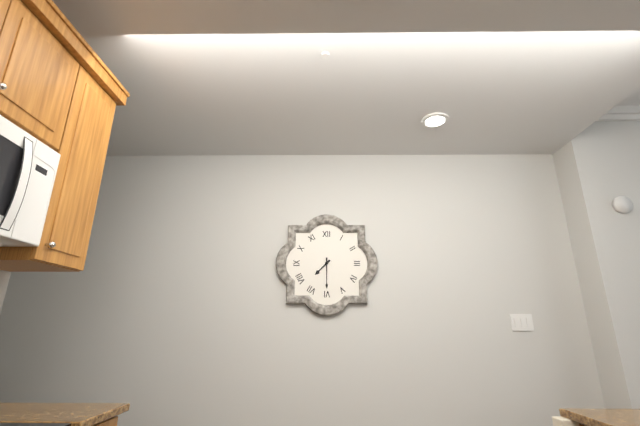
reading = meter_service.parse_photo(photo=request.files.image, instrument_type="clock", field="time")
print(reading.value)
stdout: 7:30
